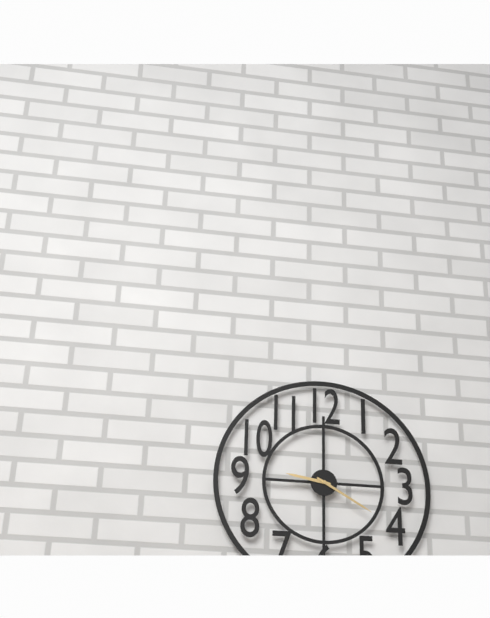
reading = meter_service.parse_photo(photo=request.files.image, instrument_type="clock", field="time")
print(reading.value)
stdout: 9:20
